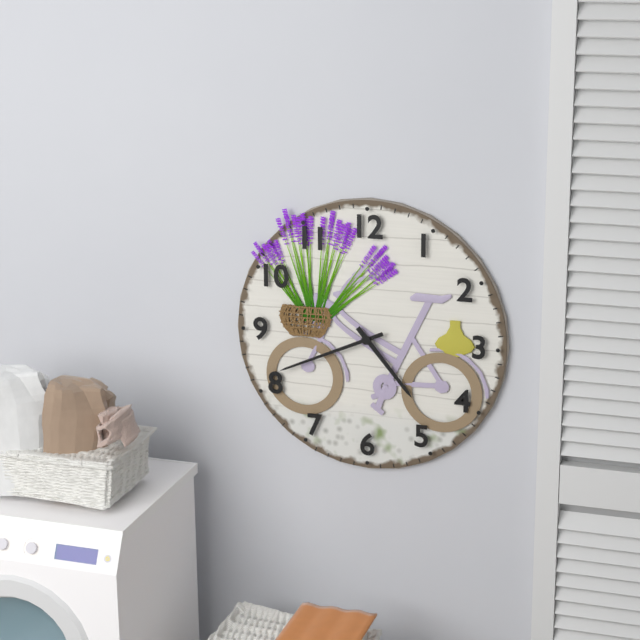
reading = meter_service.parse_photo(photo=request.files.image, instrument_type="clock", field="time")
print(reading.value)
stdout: 4:41
